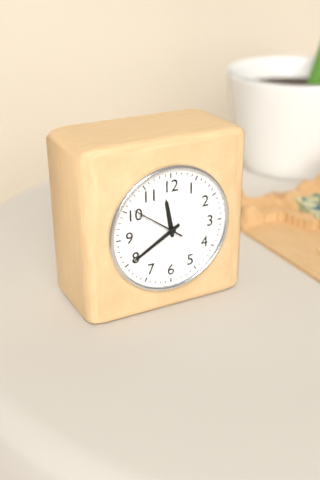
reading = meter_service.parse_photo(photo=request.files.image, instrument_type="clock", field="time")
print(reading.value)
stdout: 11:40:51
